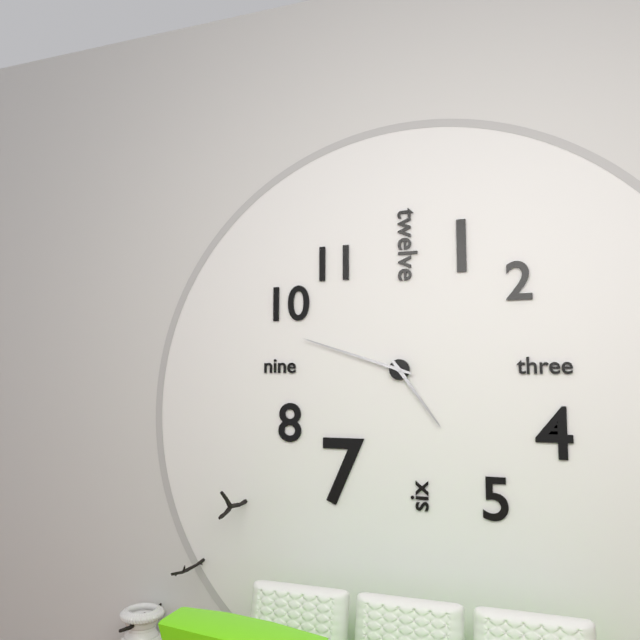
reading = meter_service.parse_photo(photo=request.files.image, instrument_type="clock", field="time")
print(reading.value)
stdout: 4:48
